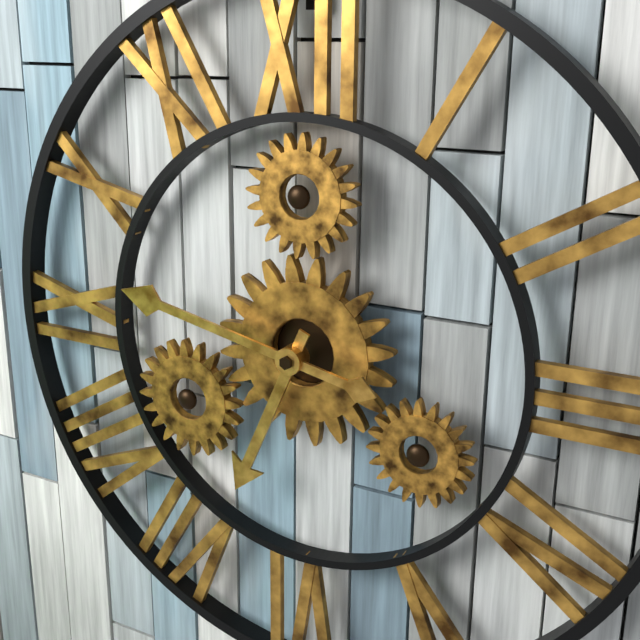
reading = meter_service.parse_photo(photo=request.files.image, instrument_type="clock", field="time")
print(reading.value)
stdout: 6:47
